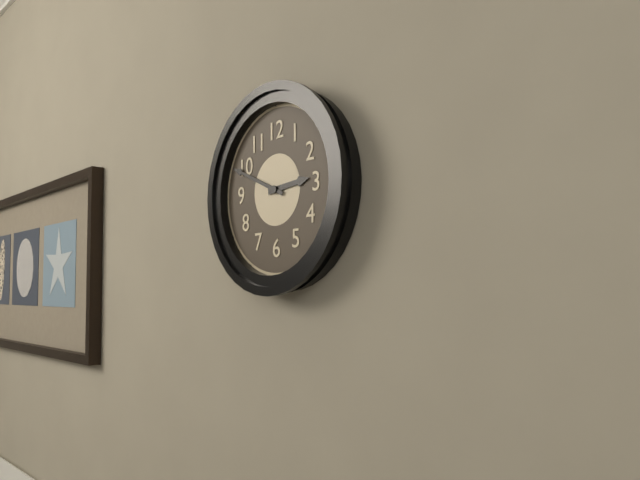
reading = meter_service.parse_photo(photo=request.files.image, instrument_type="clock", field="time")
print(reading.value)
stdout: 2:49
